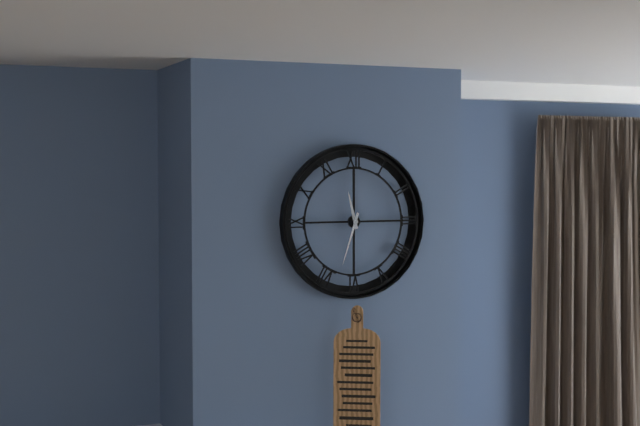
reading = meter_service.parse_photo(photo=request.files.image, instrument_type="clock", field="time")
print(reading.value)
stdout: 11:33
